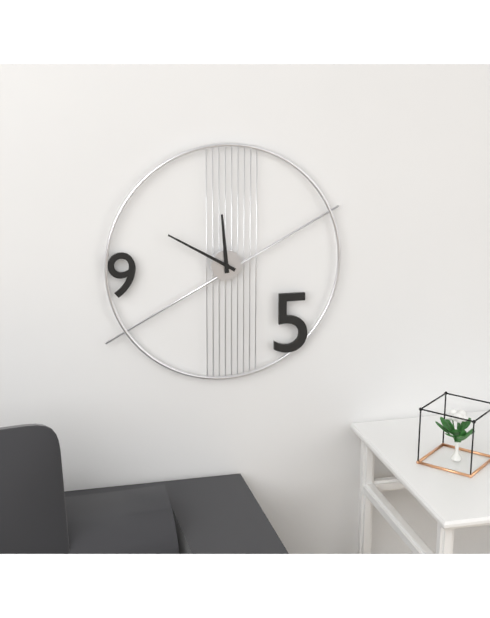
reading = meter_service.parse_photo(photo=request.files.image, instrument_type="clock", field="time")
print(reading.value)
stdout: 11:50
